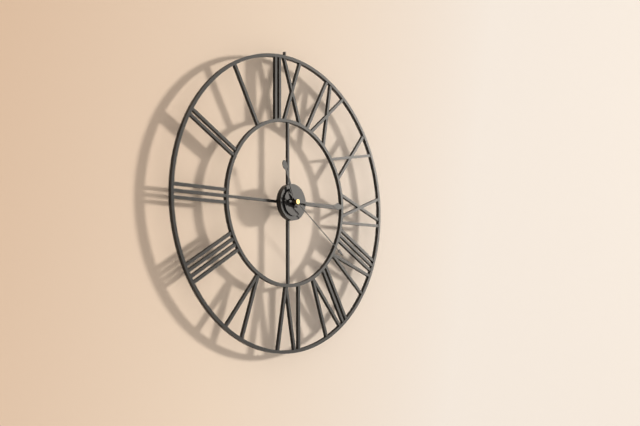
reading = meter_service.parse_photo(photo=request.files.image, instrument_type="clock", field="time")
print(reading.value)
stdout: 11:15:21
